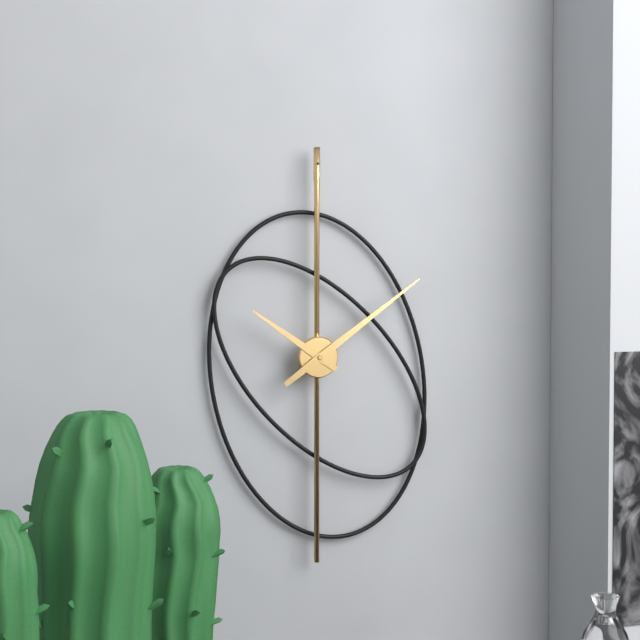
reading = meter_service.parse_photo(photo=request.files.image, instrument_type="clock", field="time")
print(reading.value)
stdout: 10:09
